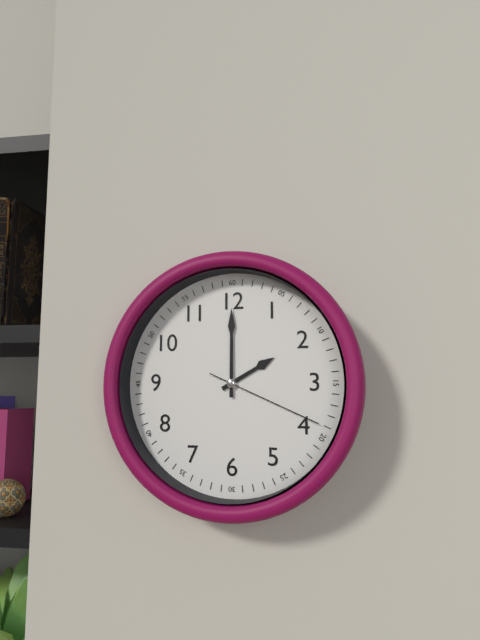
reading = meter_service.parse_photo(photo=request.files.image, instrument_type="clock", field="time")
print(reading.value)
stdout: 2:00:19
